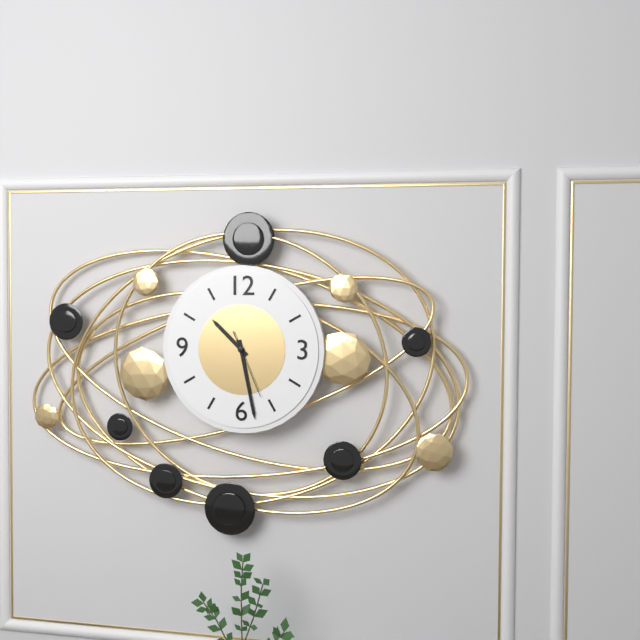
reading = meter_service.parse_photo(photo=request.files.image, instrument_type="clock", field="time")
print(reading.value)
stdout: 10:28:26
